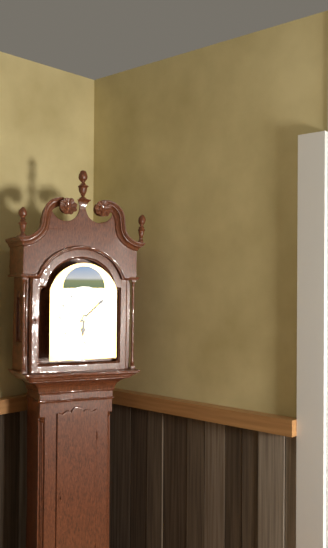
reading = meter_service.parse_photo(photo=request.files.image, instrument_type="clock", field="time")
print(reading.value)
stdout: 6:08
